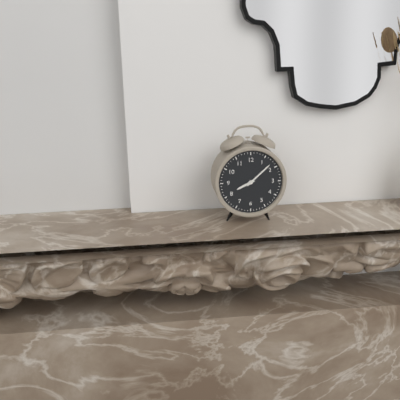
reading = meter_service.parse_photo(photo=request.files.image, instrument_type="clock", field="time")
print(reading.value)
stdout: 8:08
